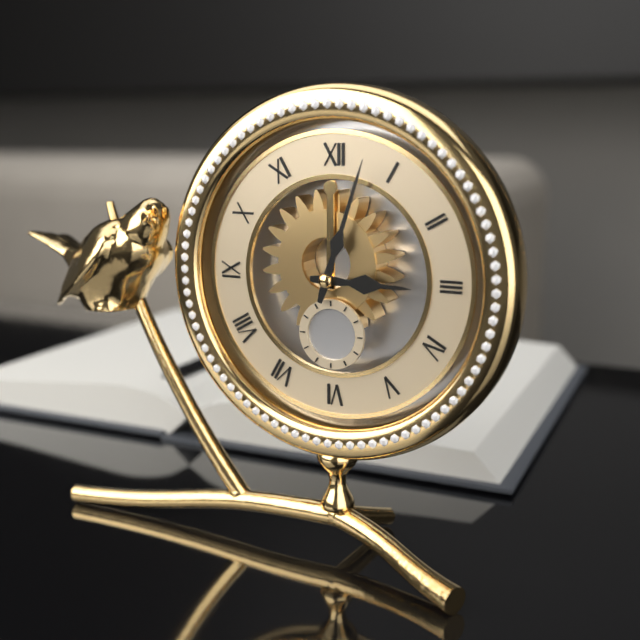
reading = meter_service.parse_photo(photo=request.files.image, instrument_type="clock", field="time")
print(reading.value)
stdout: 3:03
